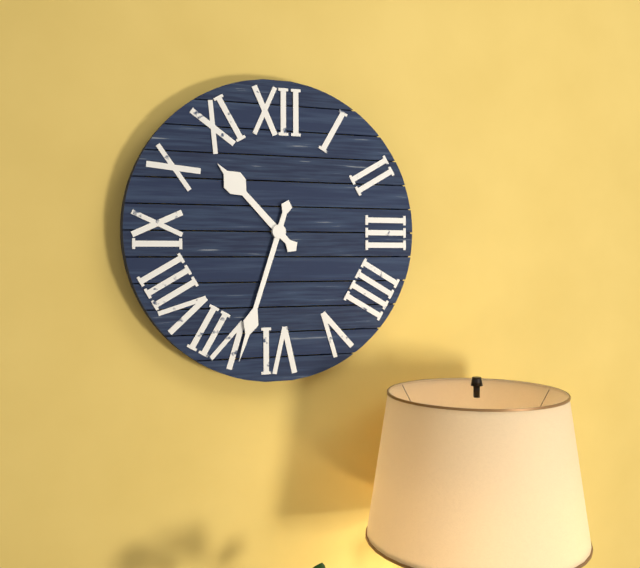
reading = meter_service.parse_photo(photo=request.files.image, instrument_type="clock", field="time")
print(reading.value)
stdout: 10:33
